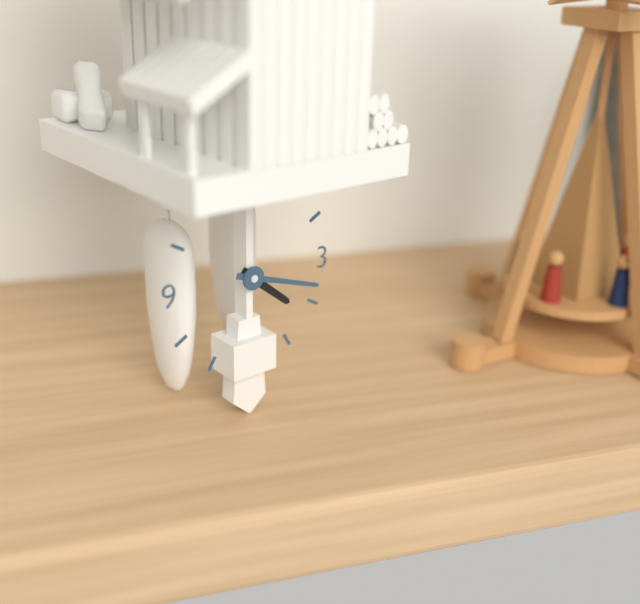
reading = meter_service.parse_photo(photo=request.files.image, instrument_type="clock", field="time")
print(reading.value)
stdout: 4:18
